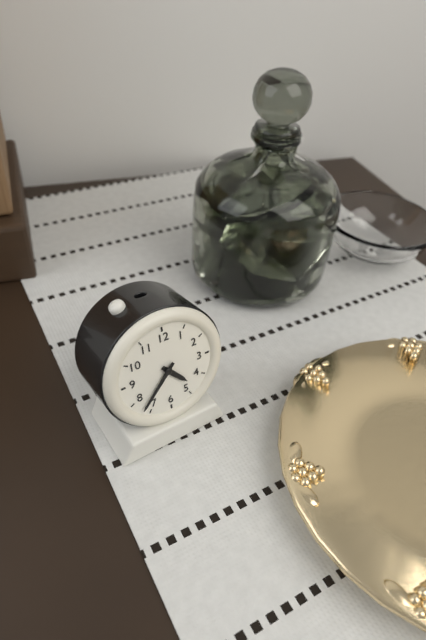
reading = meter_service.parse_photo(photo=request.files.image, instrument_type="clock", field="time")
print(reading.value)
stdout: 4:37
